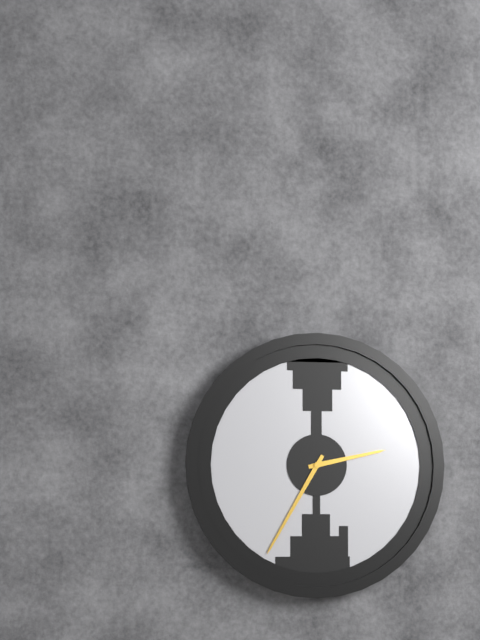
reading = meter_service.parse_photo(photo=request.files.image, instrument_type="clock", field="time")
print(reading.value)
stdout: 2:35
